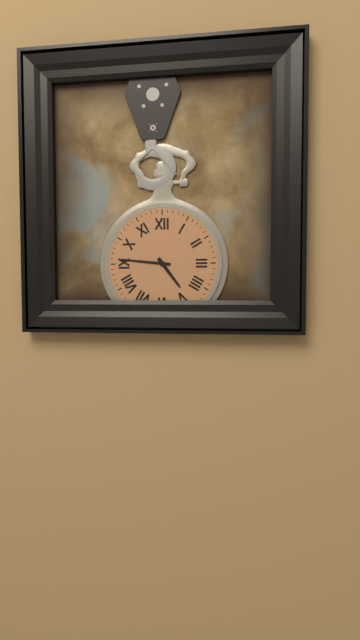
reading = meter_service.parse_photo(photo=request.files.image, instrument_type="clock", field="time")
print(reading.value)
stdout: 4:46
